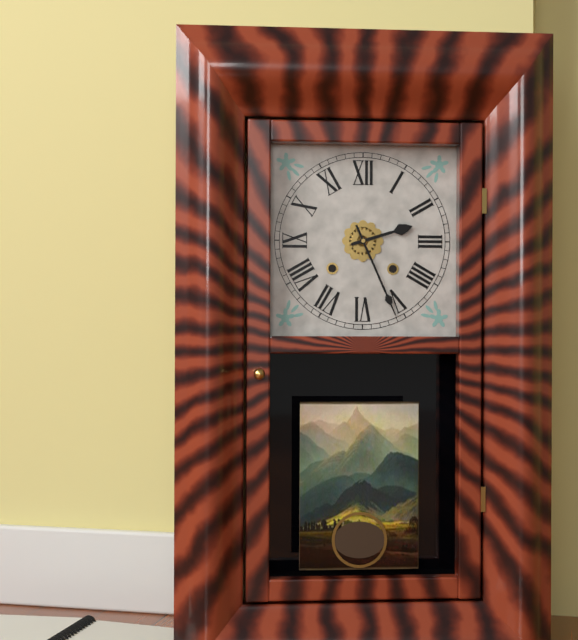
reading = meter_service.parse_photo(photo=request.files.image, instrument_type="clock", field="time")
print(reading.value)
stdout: 2:26
